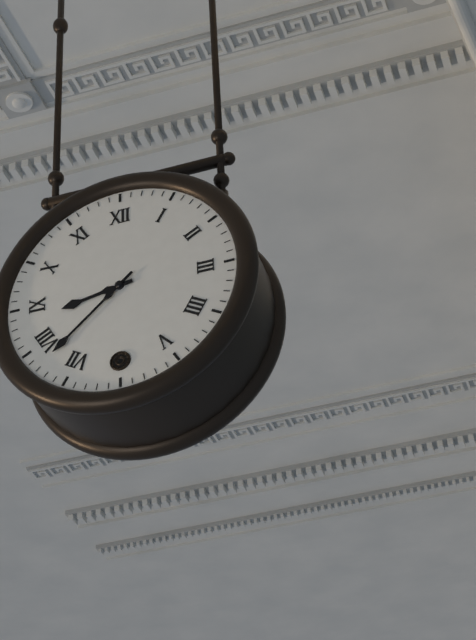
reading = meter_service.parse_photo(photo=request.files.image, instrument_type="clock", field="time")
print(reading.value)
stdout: 8:38
